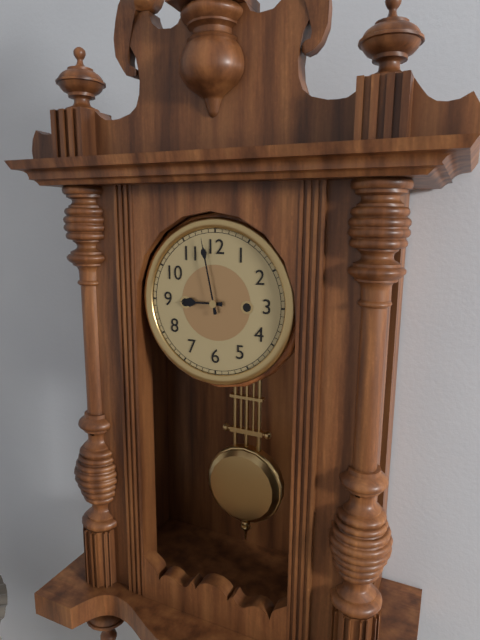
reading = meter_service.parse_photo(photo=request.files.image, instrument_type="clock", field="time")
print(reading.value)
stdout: 8:58
